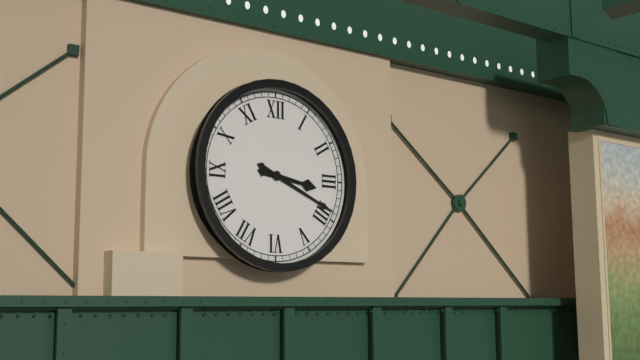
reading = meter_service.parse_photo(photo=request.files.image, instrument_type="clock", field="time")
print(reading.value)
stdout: 3:19
